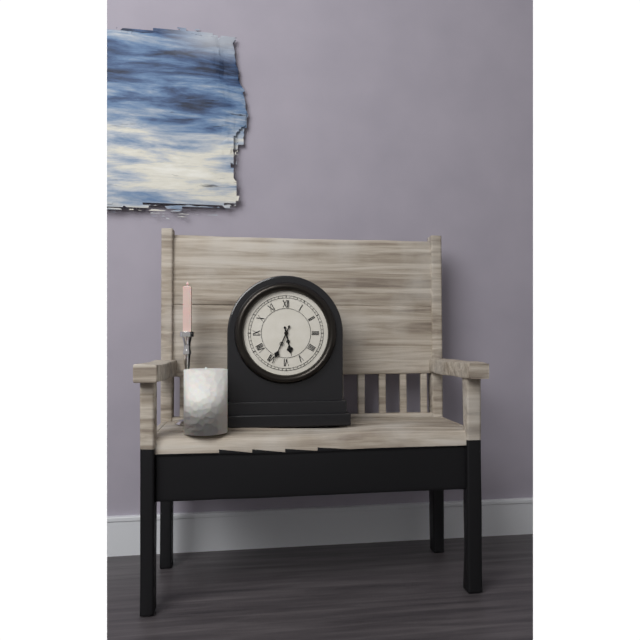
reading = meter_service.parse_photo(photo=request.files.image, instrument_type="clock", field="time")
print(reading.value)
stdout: 5:34
